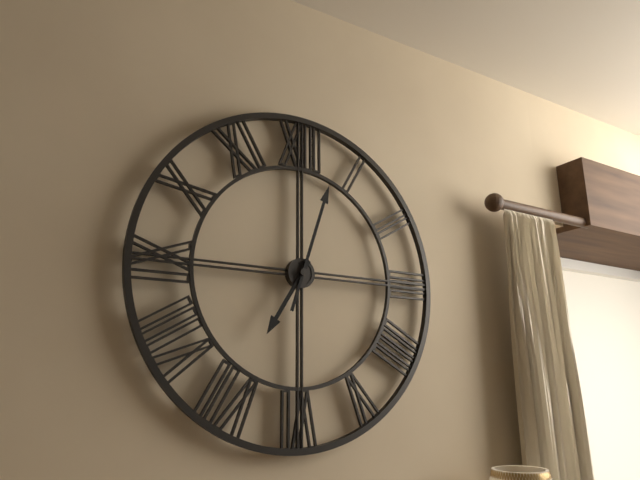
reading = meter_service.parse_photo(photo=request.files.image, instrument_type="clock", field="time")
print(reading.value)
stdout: 7:03
